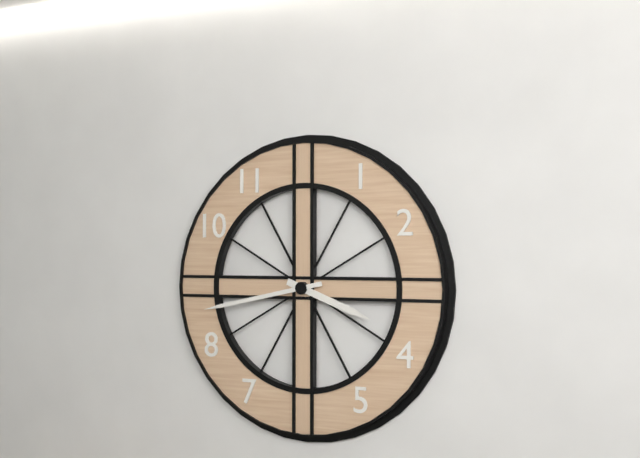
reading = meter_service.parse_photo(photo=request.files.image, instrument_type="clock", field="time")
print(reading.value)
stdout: 3:43
